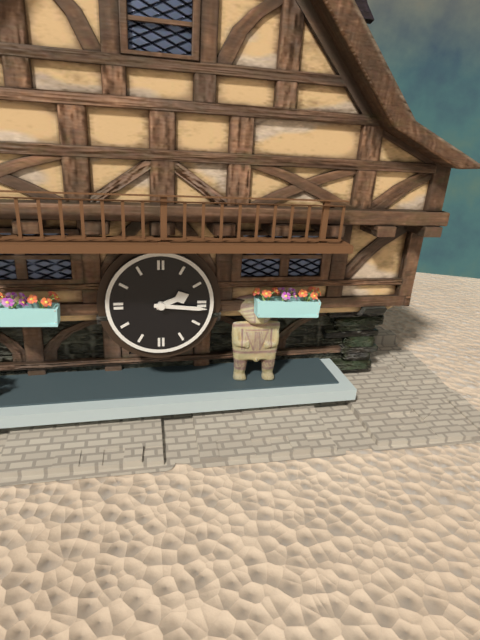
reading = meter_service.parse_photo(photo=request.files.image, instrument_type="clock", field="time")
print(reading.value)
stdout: 2:16
